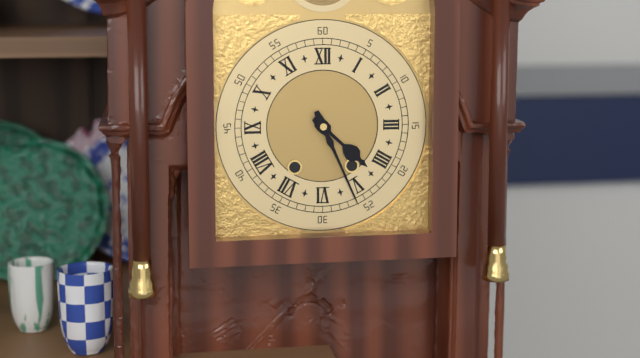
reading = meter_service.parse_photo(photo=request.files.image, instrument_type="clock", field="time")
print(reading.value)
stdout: 4:26
